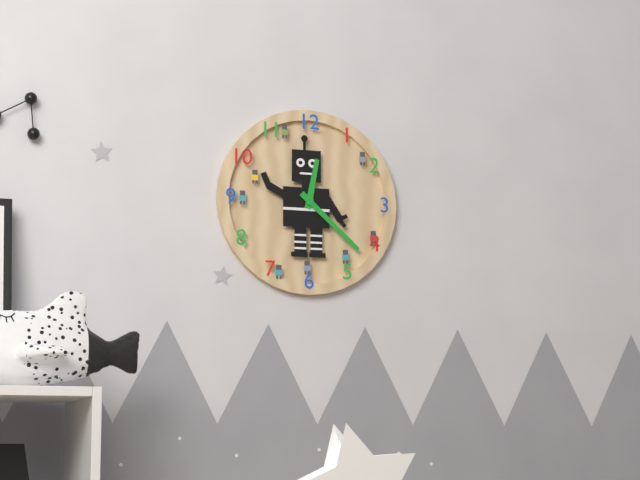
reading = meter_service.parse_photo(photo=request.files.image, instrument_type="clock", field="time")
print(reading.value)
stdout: 12:22
